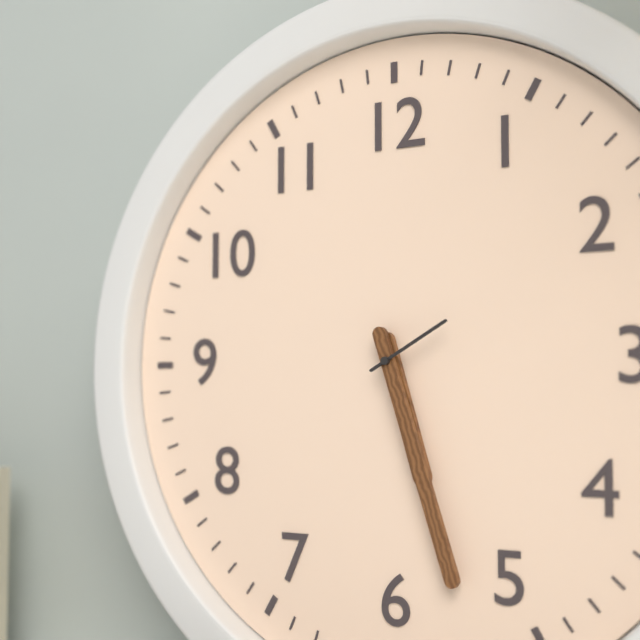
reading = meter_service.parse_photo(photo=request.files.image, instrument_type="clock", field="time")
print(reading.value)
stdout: 5:27:10
